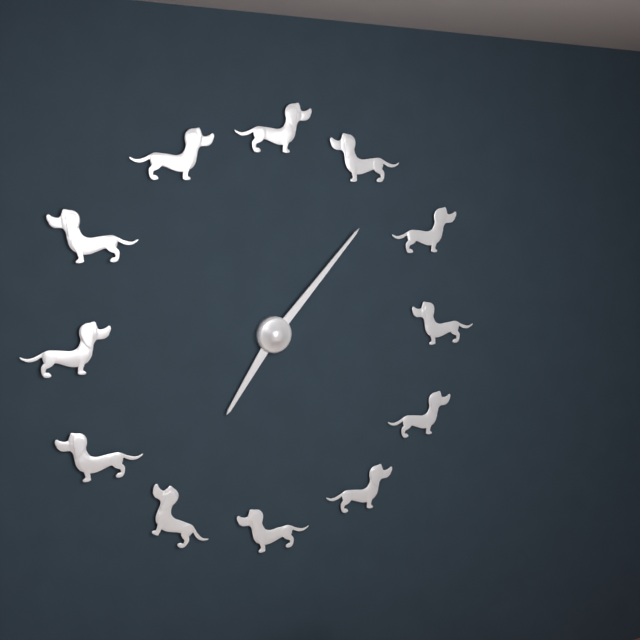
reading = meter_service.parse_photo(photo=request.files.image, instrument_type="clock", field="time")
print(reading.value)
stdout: 7:07
